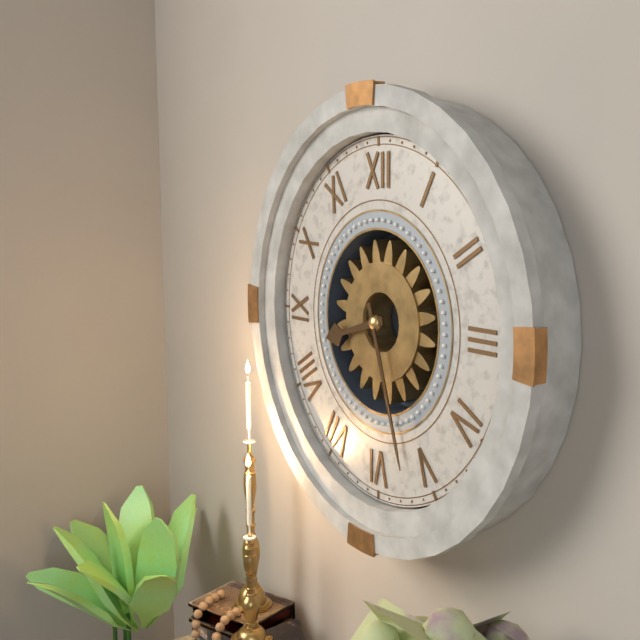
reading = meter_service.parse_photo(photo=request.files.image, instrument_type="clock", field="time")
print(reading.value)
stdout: 8:27
